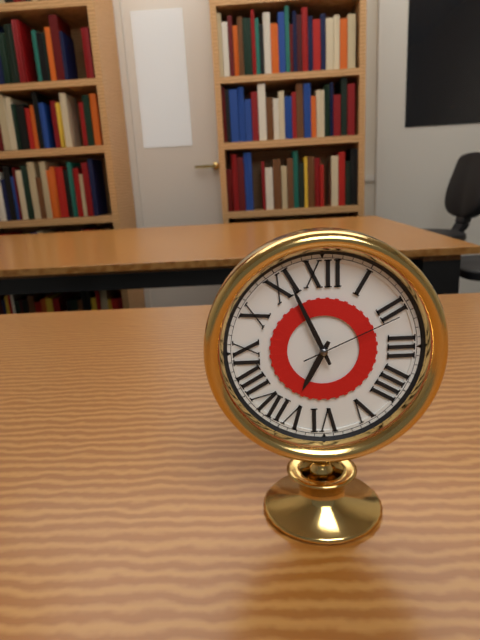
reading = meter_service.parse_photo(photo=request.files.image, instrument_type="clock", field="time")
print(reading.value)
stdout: 6:56:11
